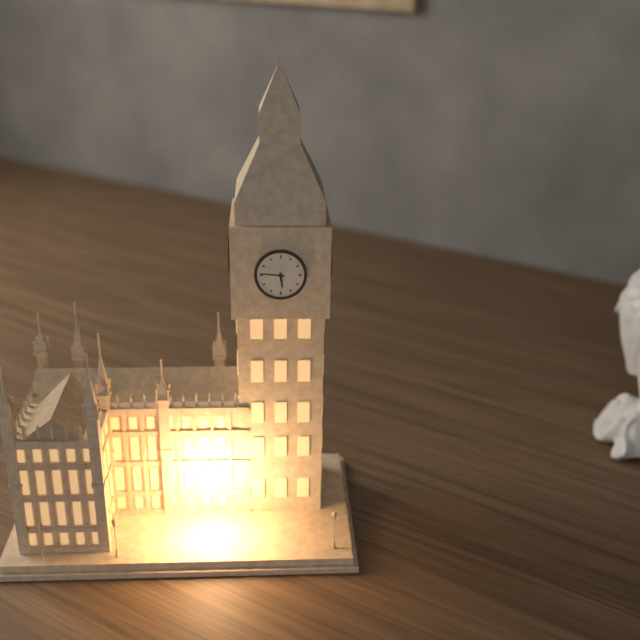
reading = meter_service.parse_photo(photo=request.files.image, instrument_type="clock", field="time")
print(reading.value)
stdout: 5:46
